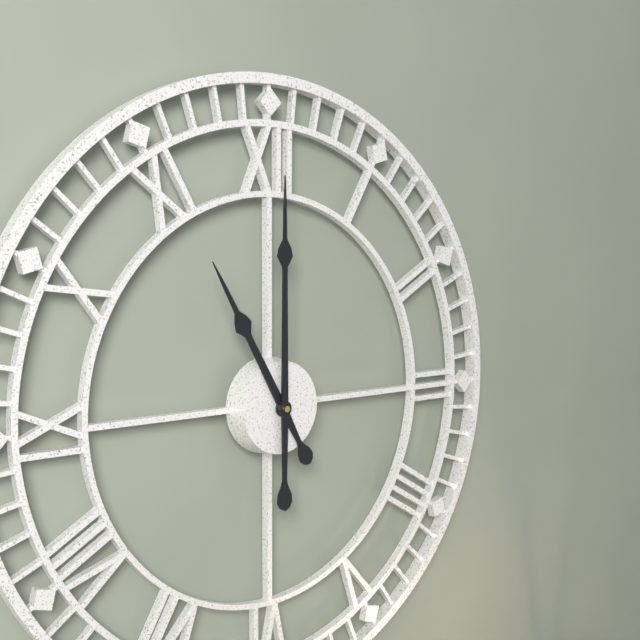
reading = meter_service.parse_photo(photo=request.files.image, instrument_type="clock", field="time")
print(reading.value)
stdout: 11:00
